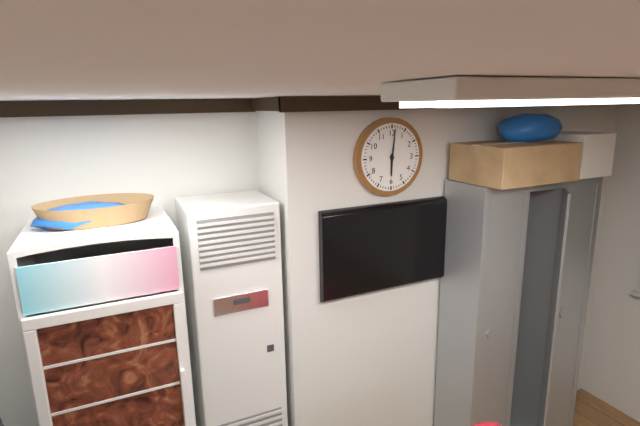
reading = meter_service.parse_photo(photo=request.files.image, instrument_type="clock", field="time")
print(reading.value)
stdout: 6:01
